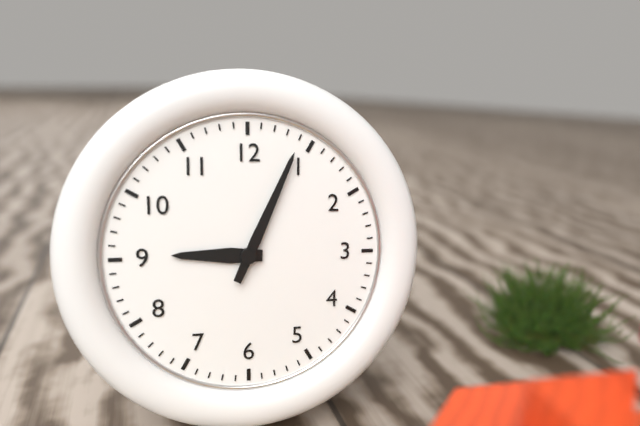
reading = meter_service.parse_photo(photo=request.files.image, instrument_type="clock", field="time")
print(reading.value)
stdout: 9:04
